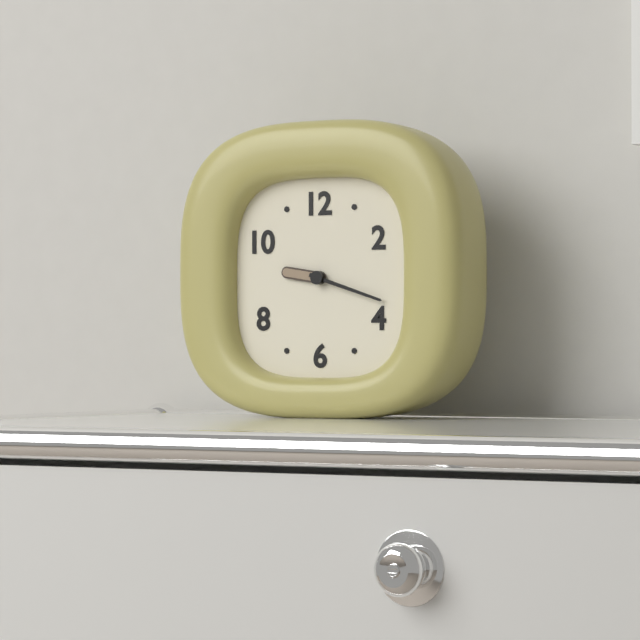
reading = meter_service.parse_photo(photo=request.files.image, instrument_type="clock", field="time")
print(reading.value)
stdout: 9:18
